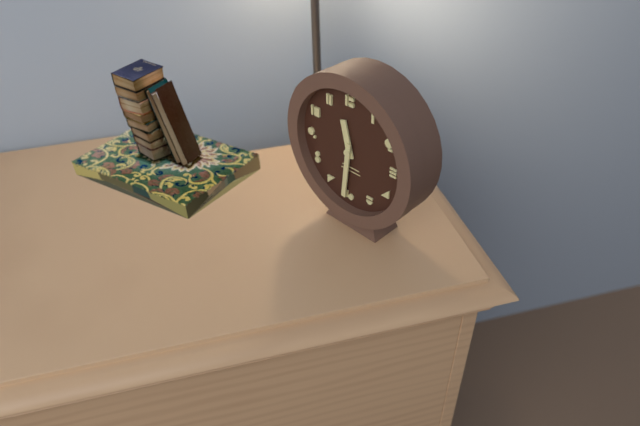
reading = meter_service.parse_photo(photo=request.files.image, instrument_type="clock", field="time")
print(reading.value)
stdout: 11:31
